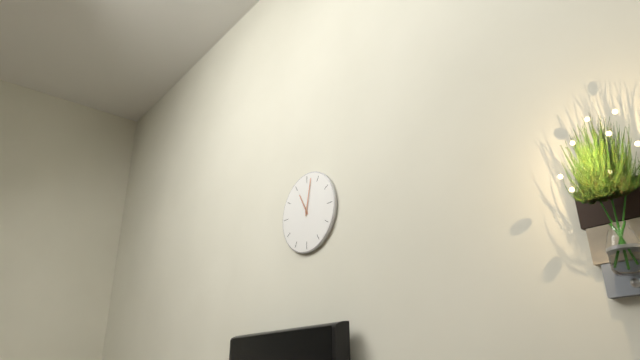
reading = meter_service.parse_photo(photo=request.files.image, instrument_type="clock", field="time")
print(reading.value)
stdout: 11:02
